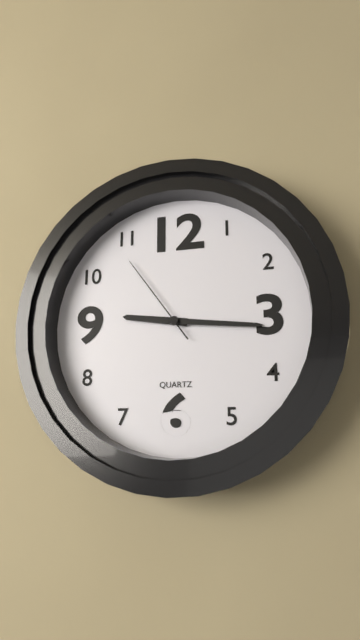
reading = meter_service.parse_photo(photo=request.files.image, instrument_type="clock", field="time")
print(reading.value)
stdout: 9:16:54
